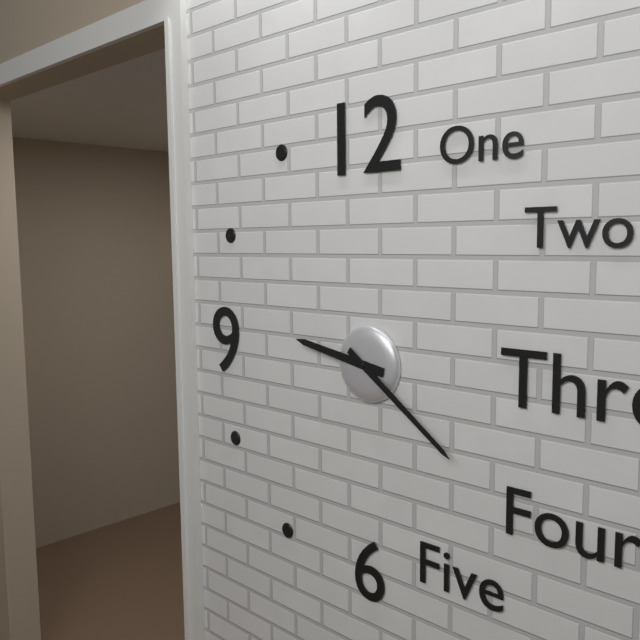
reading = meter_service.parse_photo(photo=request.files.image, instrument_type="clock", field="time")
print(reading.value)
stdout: 9:21
